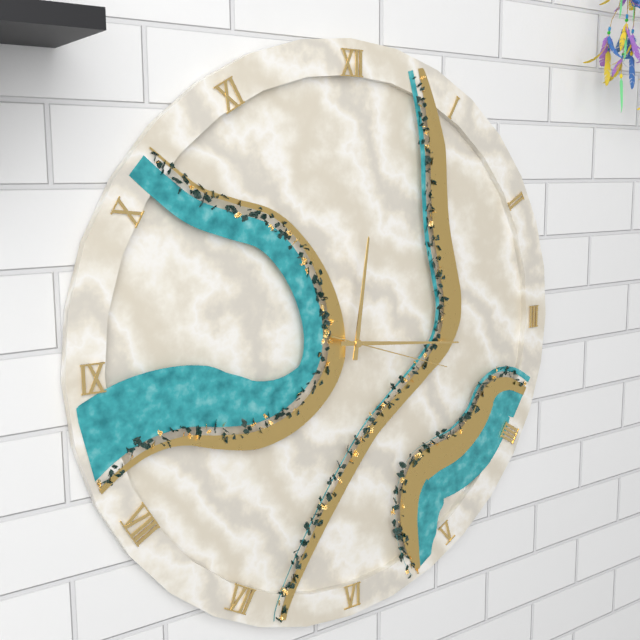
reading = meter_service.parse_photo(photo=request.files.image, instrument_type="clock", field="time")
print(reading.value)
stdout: 12:16:18
